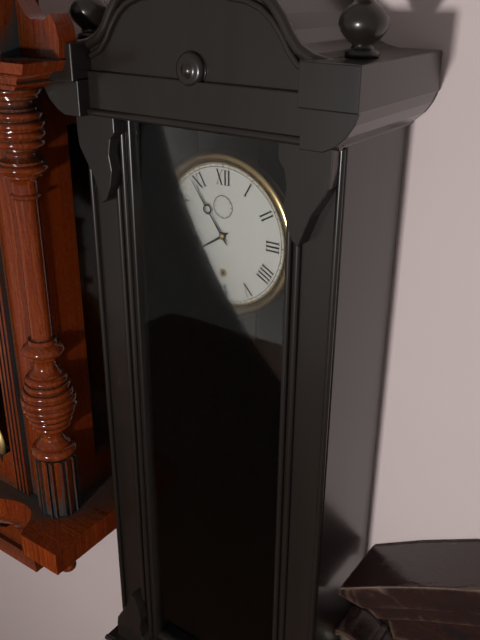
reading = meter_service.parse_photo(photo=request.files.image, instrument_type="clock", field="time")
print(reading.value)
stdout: 7:54
